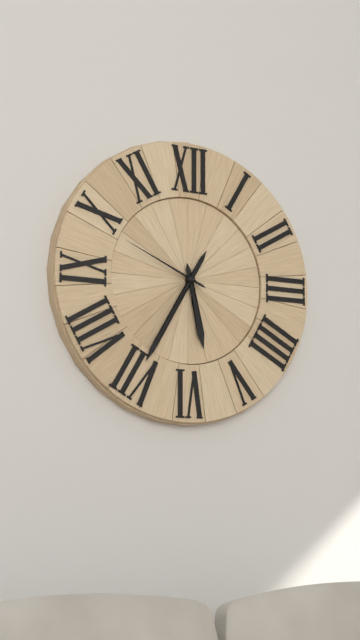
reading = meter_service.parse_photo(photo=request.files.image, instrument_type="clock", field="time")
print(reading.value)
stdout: 5:35:49
